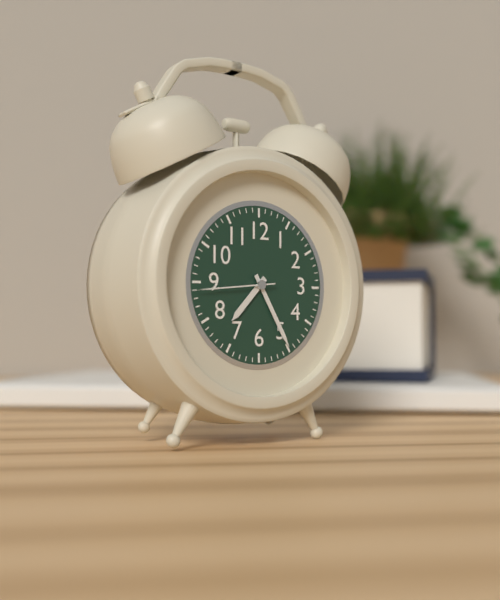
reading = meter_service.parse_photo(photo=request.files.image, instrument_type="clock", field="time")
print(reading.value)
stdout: 7:25:44
